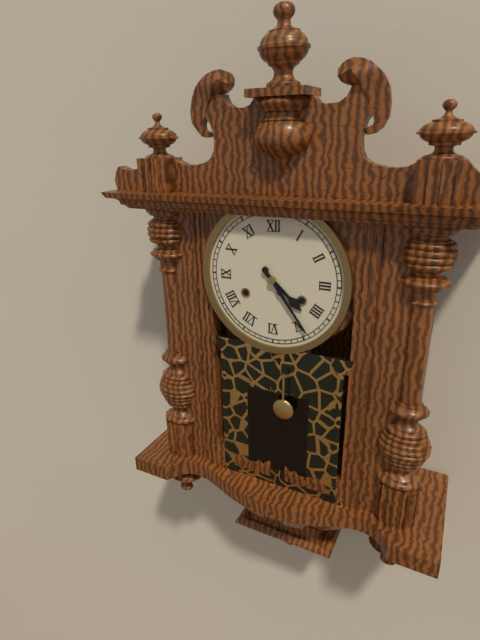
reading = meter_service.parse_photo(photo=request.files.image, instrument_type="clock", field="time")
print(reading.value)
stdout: 4:24
